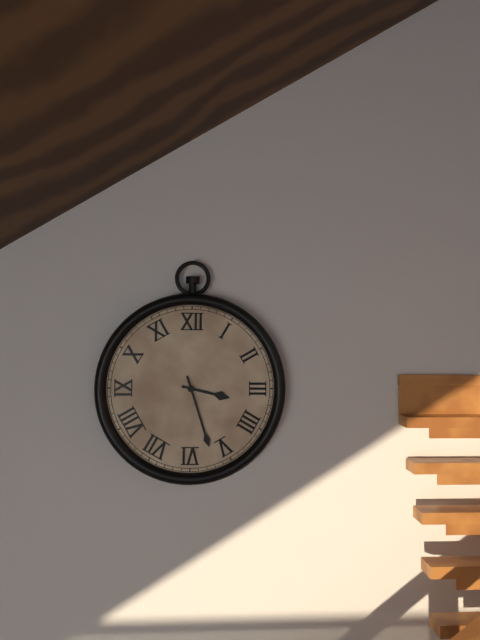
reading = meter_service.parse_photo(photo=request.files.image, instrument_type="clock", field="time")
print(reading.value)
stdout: 3:27
